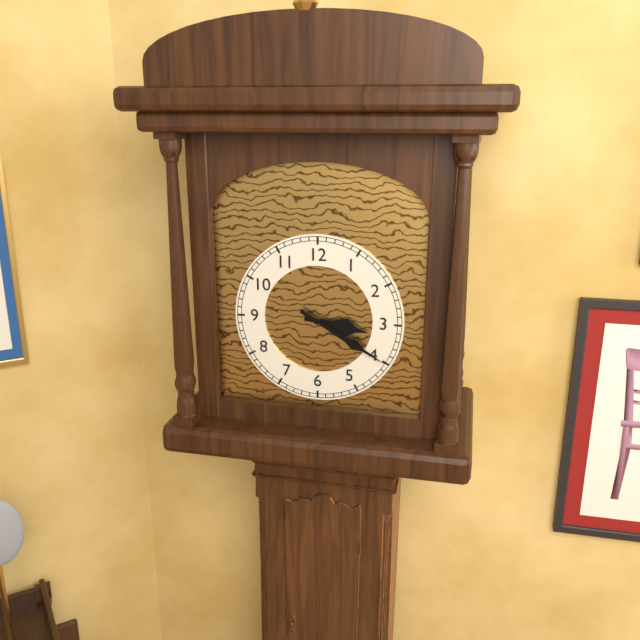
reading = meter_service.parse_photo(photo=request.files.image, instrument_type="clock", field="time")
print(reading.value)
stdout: 3:20
